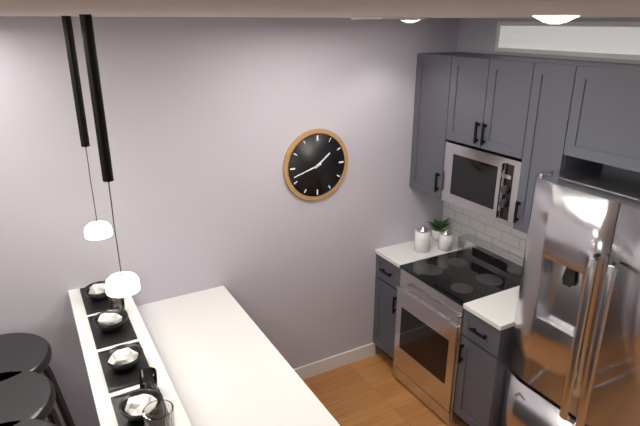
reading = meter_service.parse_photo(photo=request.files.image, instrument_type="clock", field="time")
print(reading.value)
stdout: 1:42
